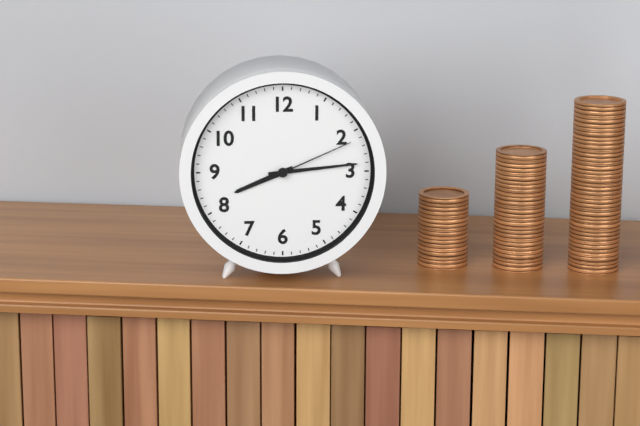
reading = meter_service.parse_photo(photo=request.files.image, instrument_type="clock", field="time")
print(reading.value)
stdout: 8:14:11
